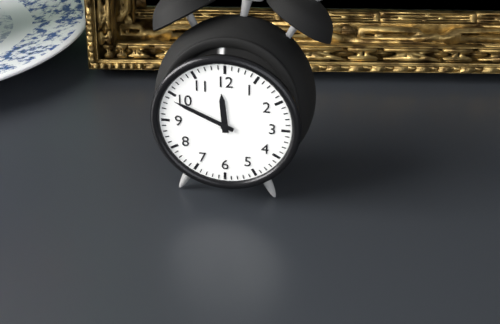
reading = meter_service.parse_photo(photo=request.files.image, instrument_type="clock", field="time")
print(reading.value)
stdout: 11:49
